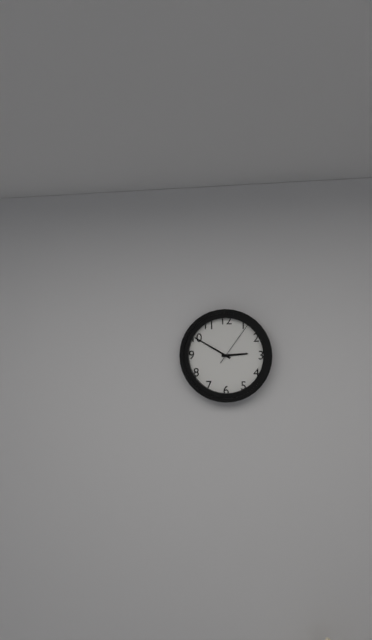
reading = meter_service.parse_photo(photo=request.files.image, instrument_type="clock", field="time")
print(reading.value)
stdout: 2:50
